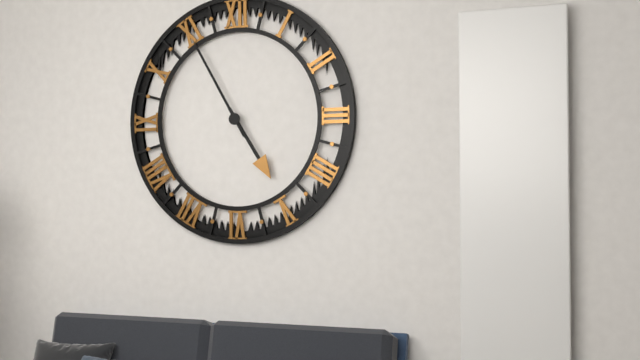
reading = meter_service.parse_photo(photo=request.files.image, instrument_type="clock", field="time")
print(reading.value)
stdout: 4:55
